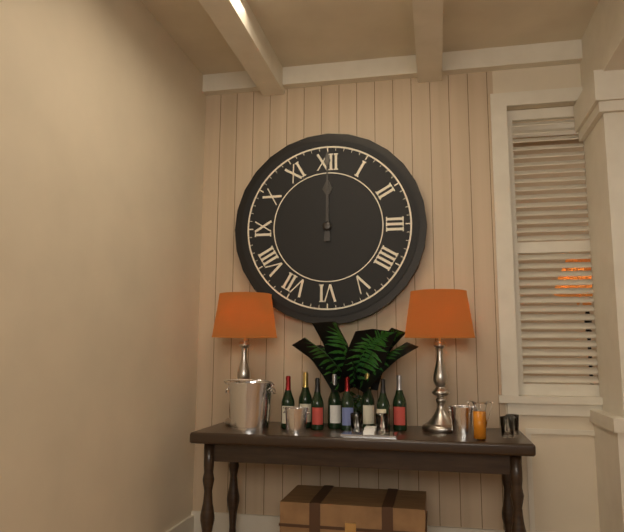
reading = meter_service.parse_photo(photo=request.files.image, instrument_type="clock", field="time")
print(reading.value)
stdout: 12:00
